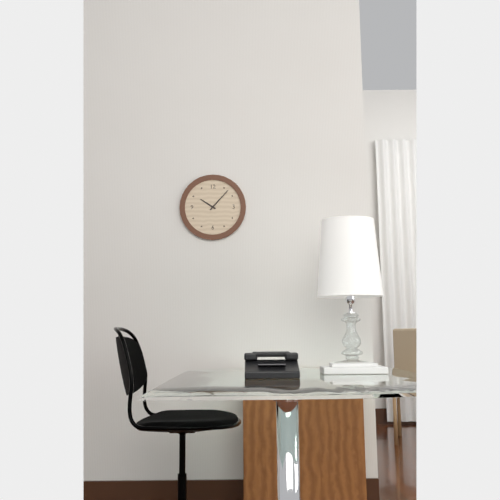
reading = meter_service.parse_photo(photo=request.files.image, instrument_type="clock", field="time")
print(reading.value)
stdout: 10:07
